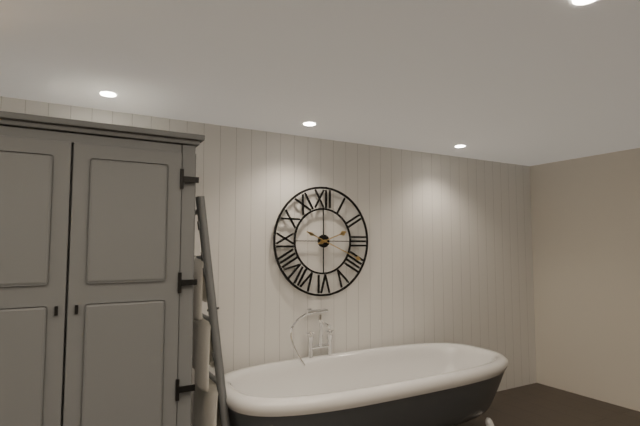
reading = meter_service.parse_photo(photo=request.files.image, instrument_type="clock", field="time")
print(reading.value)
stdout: 2:19
